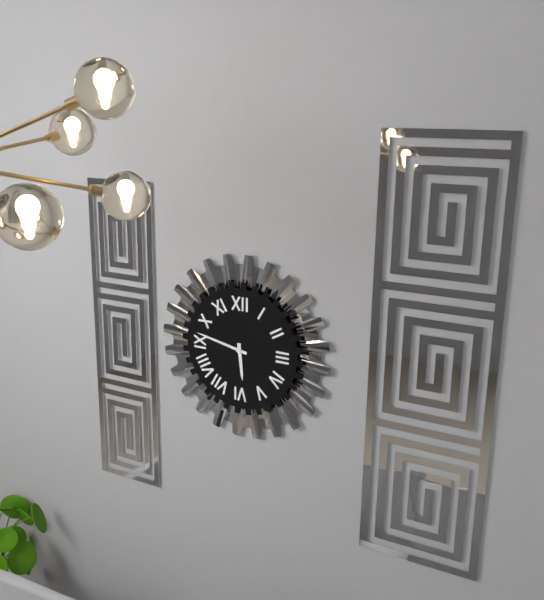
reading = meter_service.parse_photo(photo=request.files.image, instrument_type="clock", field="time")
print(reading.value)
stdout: 5:47
